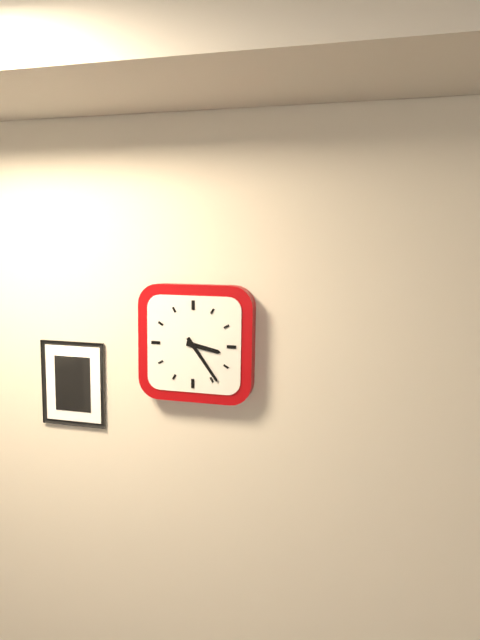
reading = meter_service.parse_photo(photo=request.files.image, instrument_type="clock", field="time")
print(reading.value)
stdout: 3:24
